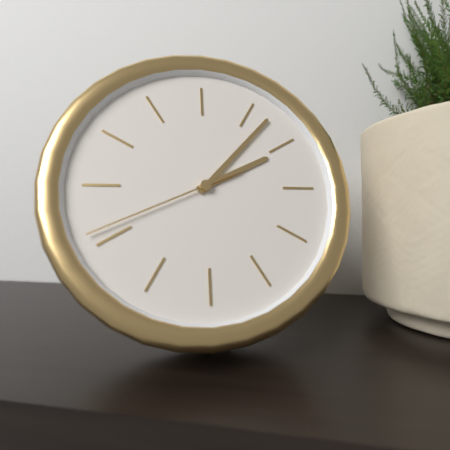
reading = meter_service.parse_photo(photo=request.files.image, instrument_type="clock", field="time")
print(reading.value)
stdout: 2:07:41
